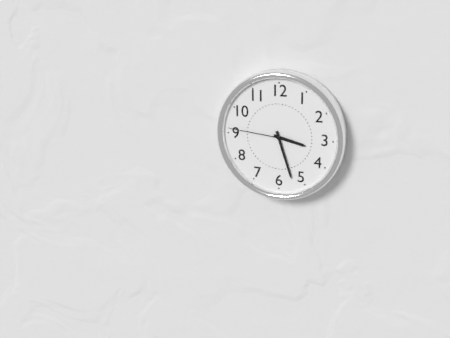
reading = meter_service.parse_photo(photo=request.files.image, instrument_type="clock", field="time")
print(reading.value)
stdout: 3:27:46
